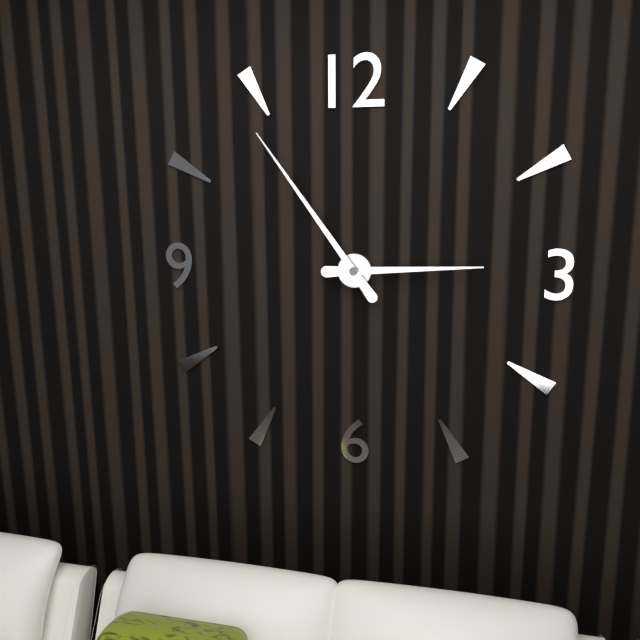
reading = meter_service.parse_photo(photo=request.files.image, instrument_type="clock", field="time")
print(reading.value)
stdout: 2:54
